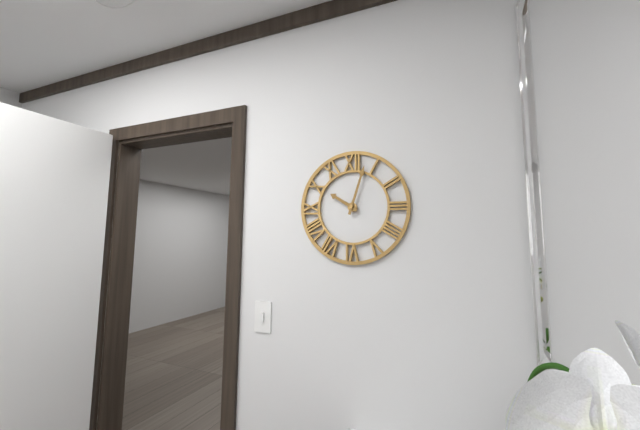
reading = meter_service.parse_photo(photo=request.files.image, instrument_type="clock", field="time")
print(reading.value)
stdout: 10:03
